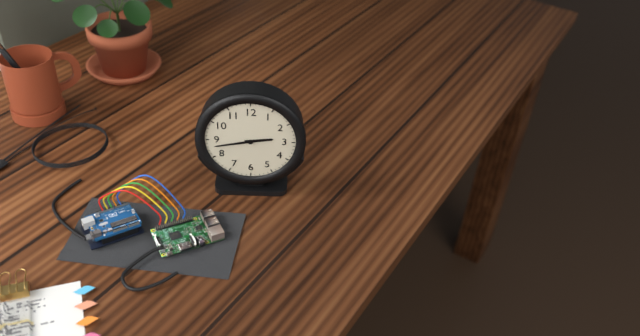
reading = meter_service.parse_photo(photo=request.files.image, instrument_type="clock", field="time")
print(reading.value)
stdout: 2:43
